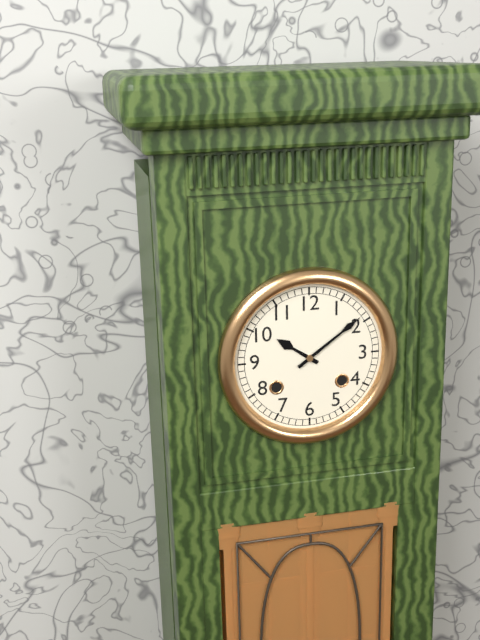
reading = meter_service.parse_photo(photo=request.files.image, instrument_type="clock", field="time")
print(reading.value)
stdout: 10:09
